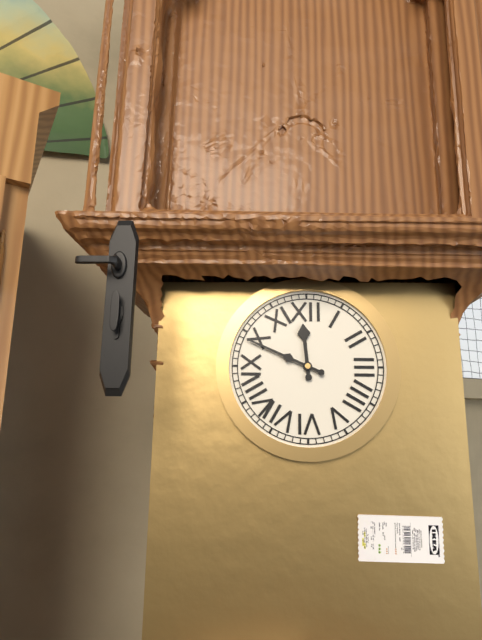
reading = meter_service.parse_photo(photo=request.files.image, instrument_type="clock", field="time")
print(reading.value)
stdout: 11:49
